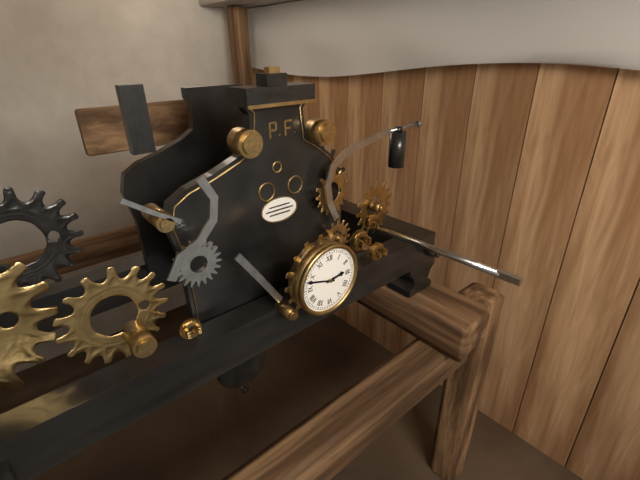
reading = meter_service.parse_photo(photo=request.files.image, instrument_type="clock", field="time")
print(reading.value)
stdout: 2:48
